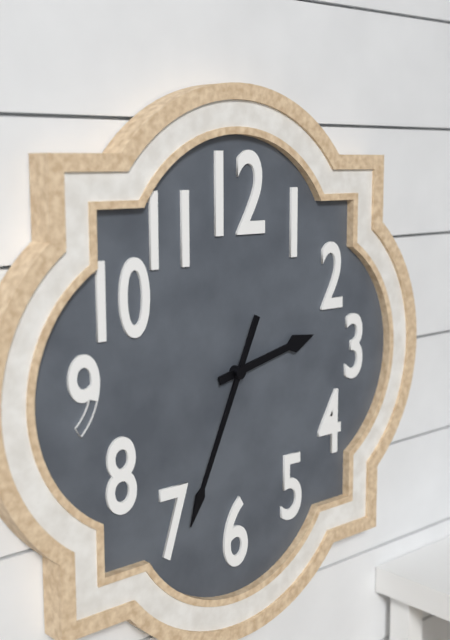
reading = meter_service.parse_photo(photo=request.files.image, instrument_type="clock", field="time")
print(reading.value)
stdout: 2:34
